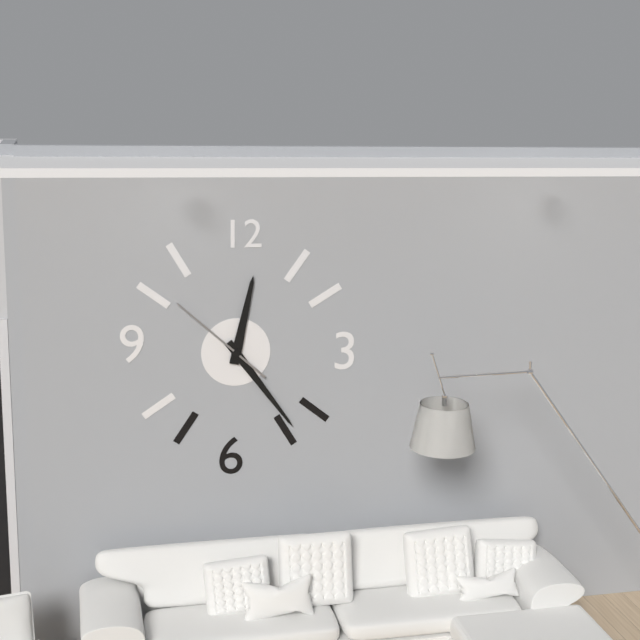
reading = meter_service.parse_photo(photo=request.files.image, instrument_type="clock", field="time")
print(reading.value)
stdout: 12:24:52
